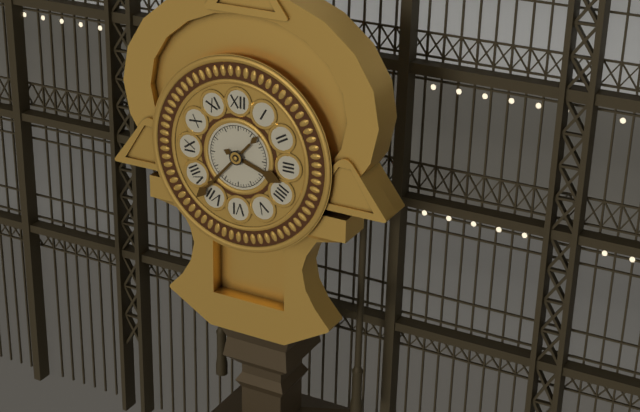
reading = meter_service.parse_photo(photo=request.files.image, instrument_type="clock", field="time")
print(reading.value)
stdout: 3:37
